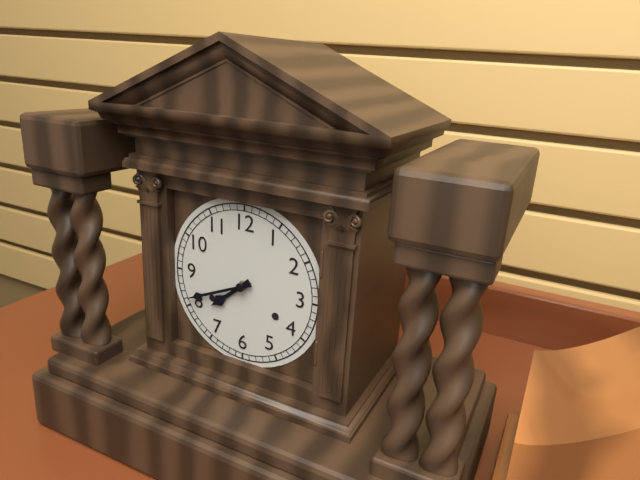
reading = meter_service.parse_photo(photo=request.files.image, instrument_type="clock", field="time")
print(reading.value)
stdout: 7:41
